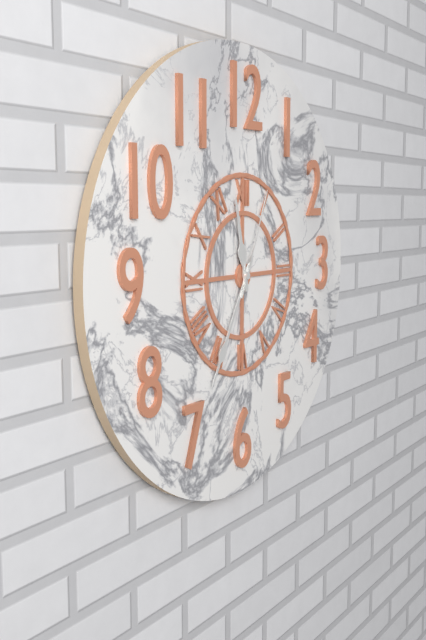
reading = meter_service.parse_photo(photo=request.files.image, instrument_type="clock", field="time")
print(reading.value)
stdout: 11:35:04
